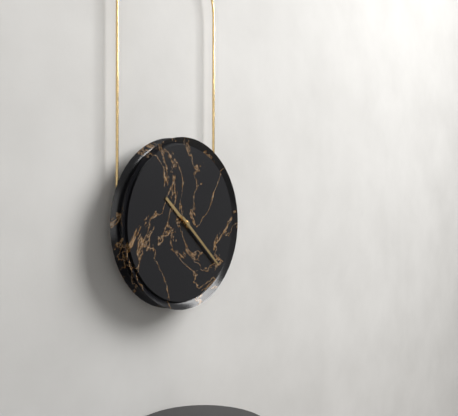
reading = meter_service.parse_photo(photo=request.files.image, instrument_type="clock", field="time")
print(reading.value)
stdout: 10:22
